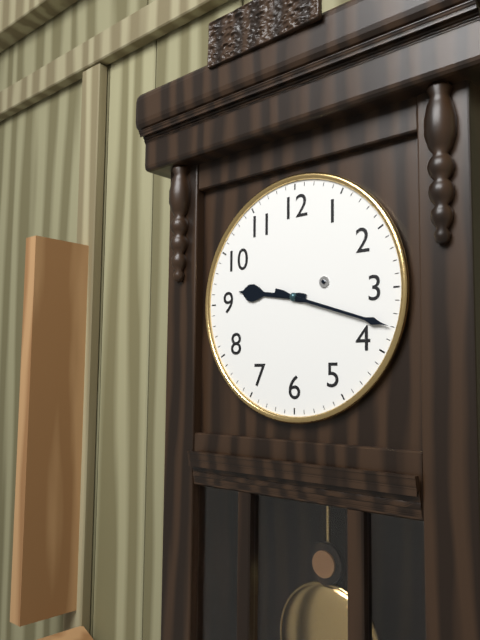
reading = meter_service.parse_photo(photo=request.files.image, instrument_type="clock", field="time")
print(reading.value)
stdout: 9:18
